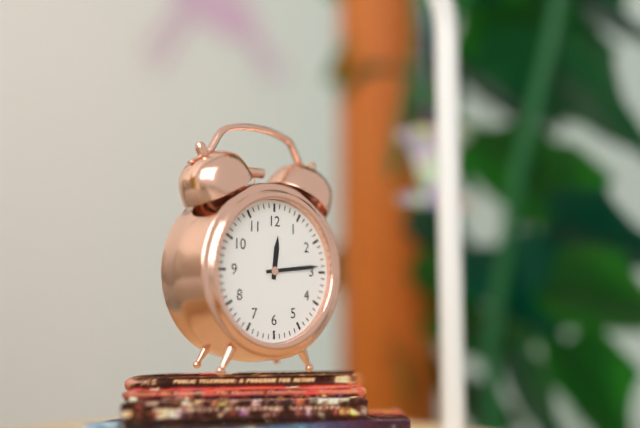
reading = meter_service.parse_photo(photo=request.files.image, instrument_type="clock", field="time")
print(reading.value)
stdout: 12:14
